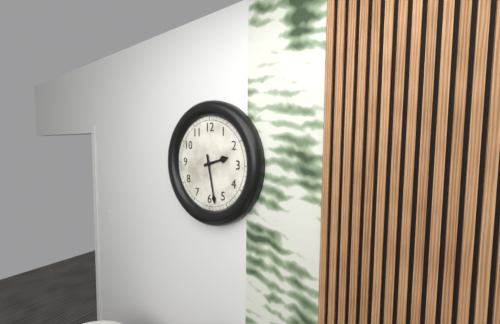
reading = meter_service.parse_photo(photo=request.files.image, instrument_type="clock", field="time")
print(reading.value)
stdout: 2:28
